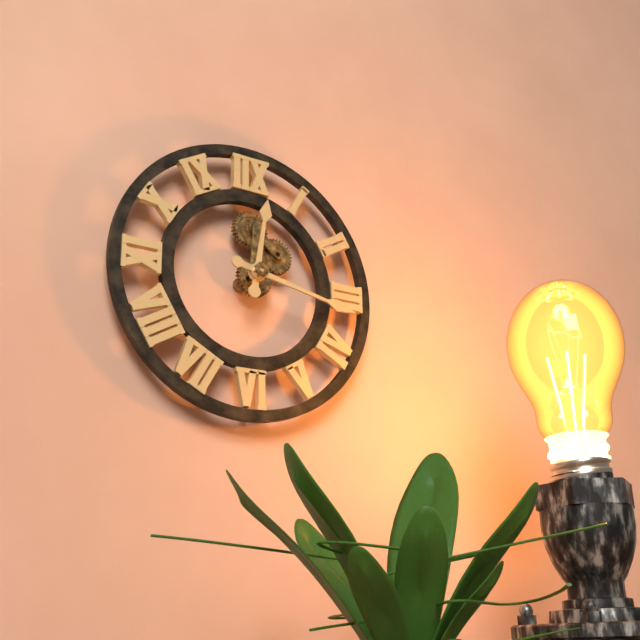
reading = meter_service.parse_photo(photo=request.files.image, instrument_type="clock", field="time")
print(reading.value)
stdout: 12:17
